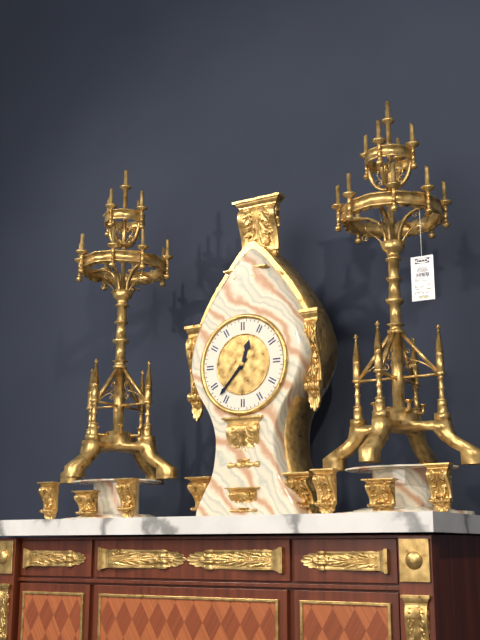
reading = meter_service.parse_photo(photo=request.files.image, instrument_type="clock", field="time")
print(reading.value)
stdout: 12:37
